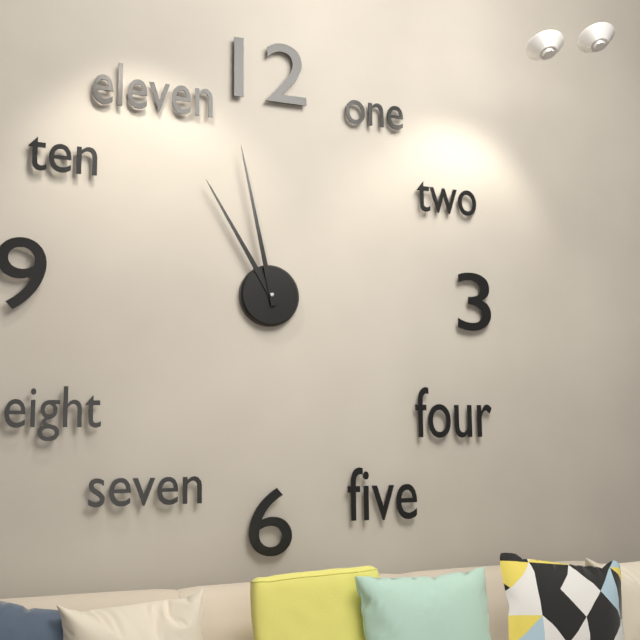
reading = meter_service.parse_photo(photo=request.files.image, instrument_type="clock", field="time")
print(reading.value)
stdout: 10:58
